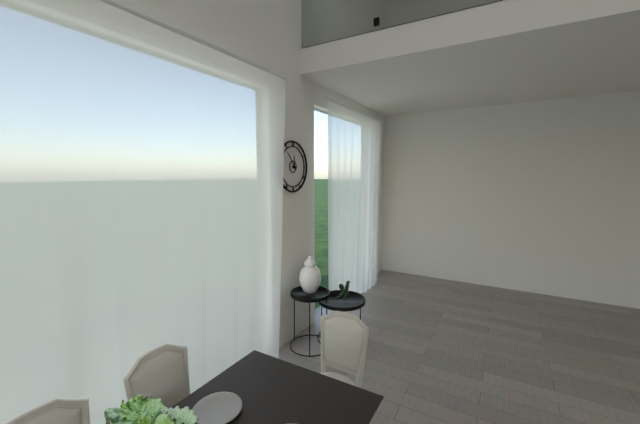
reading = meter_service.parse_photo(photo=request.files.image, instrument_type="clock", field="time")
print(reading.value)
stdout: 11:53
